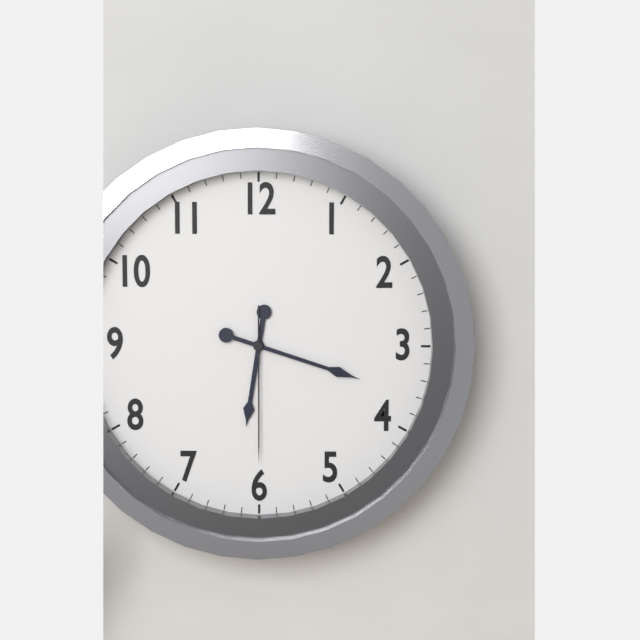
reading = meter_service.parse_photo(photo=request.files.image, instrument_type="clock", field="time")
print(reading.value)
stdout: 6:18:30
